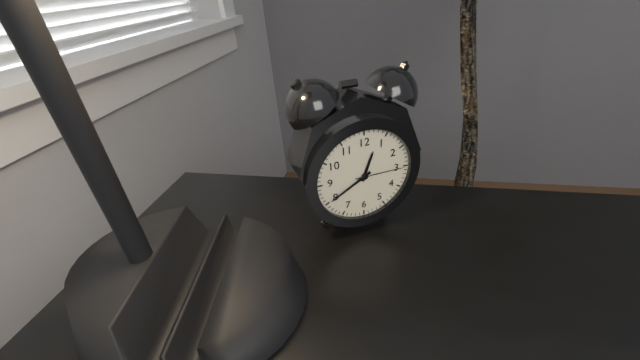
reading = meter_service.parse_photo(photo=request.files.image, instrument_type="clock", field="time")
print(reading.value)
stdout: 12:40:15
